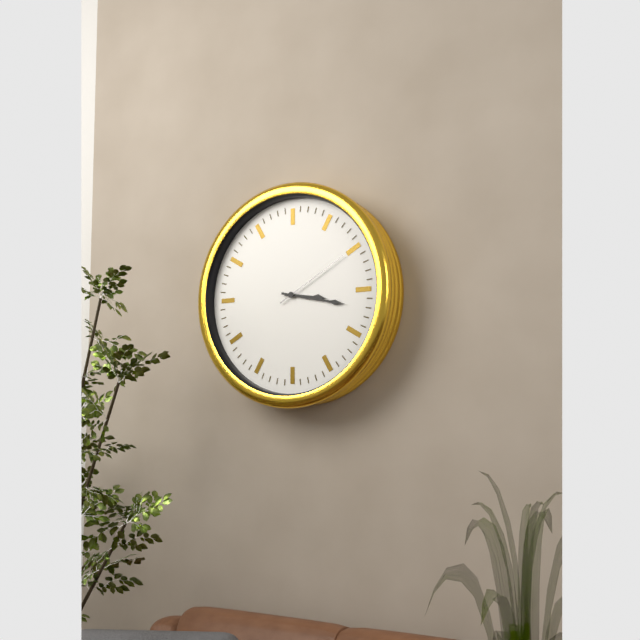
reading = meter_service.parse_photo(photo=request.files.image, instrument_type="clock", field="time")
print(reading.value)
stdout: 3:17:10
